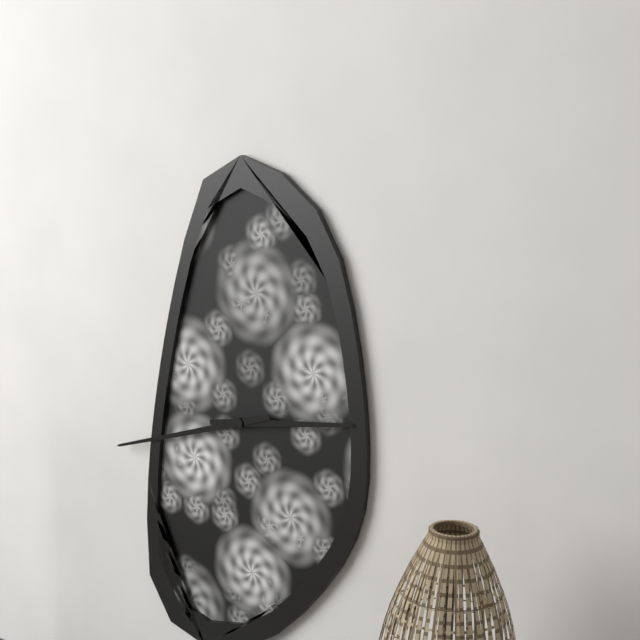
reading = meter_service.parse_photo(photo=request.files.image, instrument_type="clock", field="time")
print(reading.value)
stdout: 2:42
